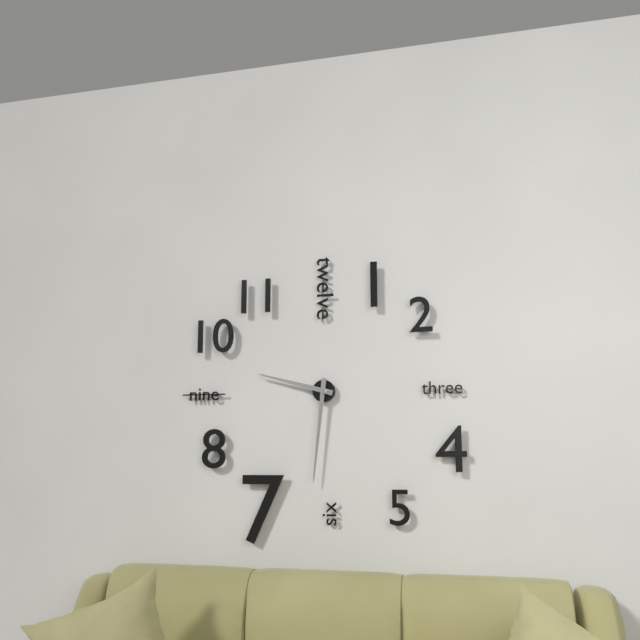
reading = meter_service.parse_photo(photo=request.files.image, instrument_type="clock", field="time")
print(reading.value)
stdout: 9:31
